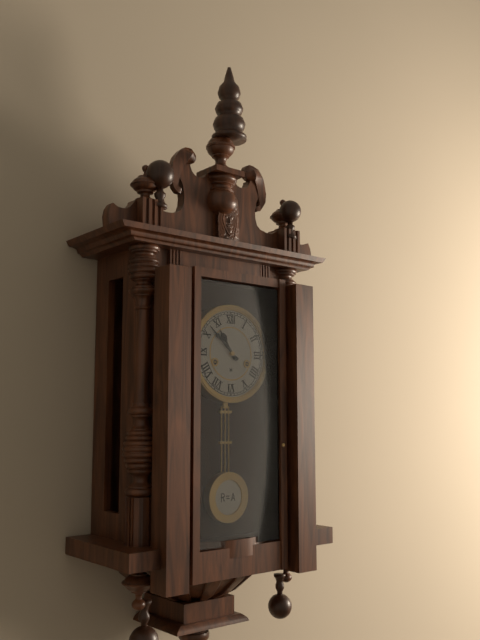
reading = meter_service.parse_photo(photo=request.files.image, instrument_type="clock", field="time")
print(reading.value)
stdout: 10:52
